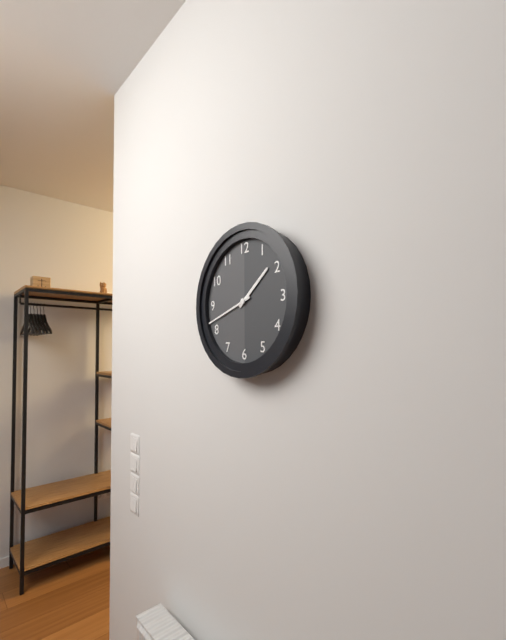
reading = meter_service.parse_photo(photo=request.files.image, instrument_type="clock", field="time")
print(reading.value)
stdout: 1:42
